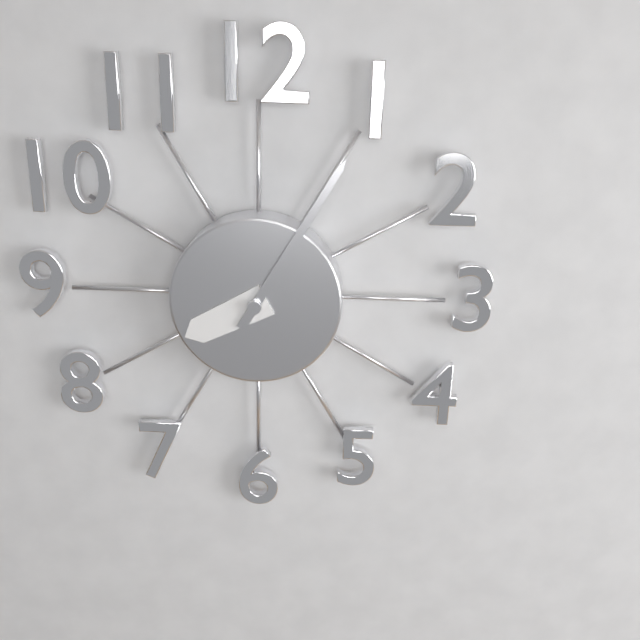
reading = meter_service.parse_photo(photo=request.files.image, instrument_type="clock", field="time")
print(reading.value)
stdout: 8:05
